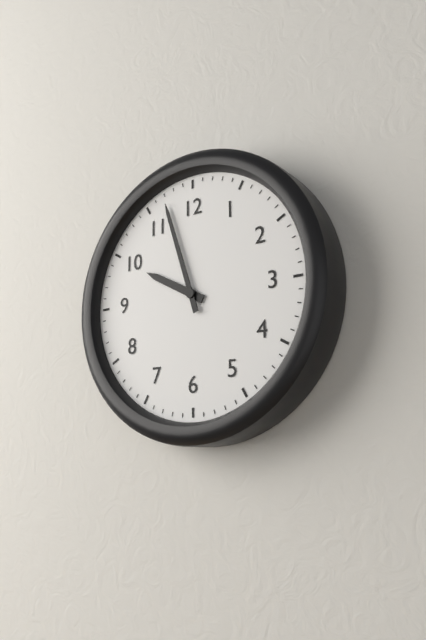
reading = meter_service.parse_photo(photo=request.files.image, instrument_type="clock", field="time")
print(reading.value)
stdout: 9:57
